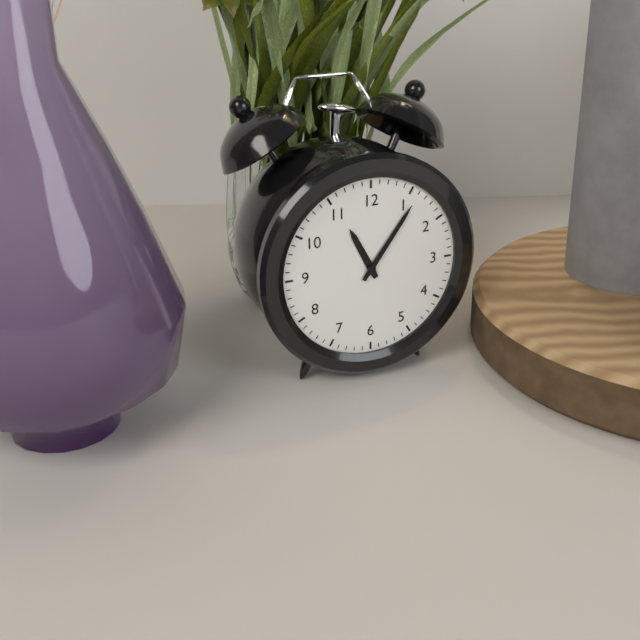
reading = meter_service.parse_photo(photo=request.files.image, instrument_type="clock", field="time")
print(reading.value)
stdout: 11:06
